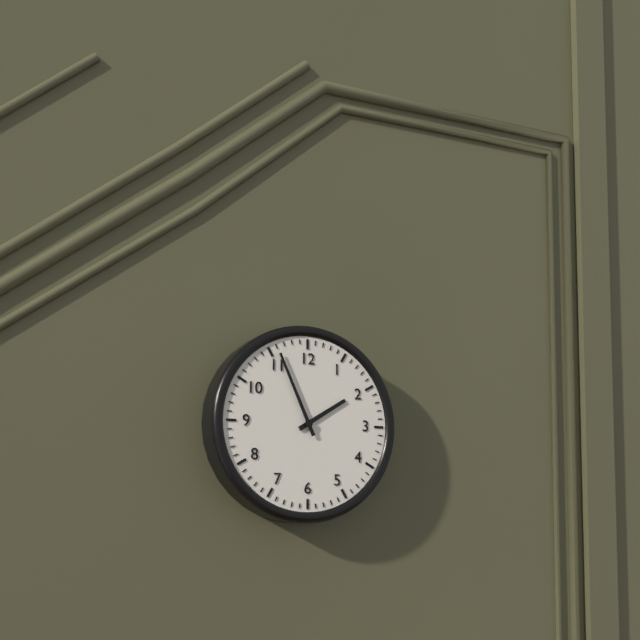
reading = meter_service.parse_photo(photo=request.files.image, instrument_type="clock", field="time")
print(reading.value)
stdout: 1:56
